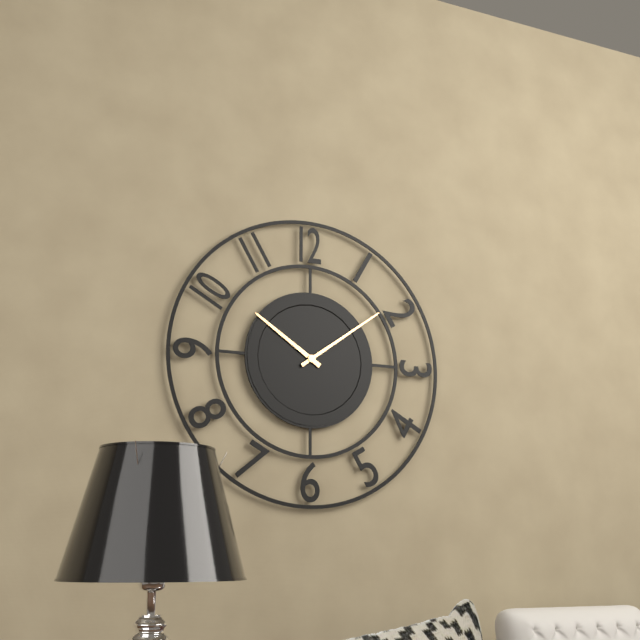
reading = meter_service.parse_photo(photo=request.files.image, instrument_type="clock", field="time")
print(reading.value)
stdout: 10:09
